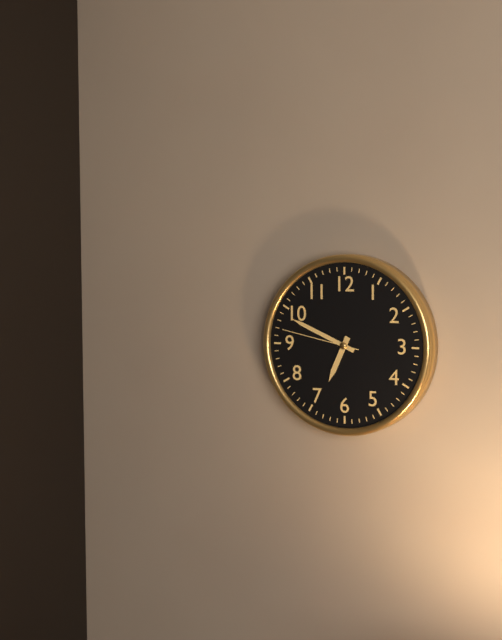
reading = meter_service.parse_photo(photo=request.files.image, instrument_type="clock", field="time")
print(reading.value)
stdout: 6:49:47
